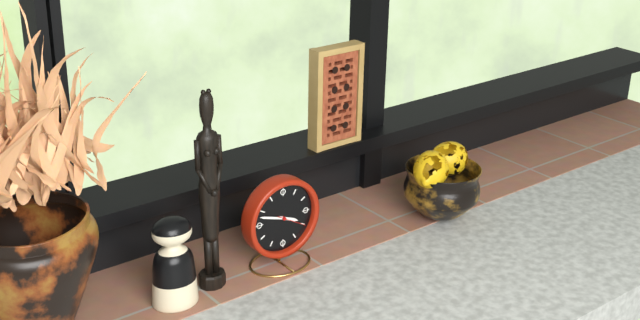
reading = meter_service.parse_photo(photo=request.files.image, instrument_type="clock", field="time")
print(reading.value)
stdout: 3:48
